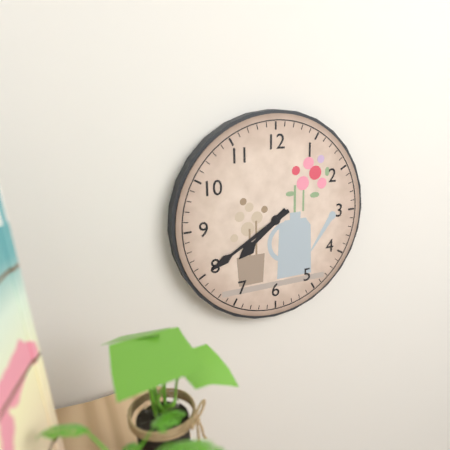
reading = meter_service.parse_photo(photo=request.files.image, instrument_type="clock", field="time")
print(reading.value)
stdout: 7:40
